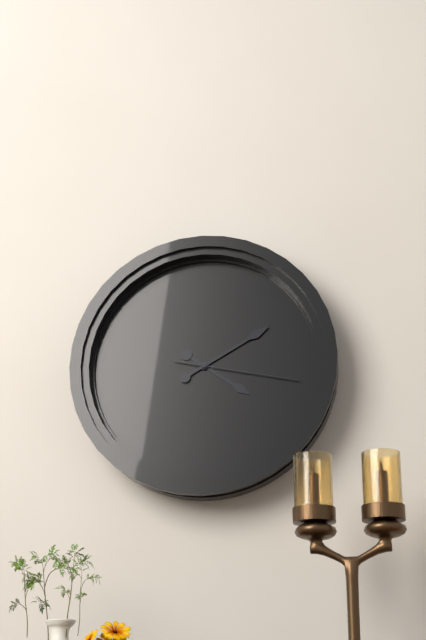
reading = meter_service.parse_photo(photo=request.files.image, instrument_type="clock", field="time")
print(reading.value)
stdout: 4:10:17
